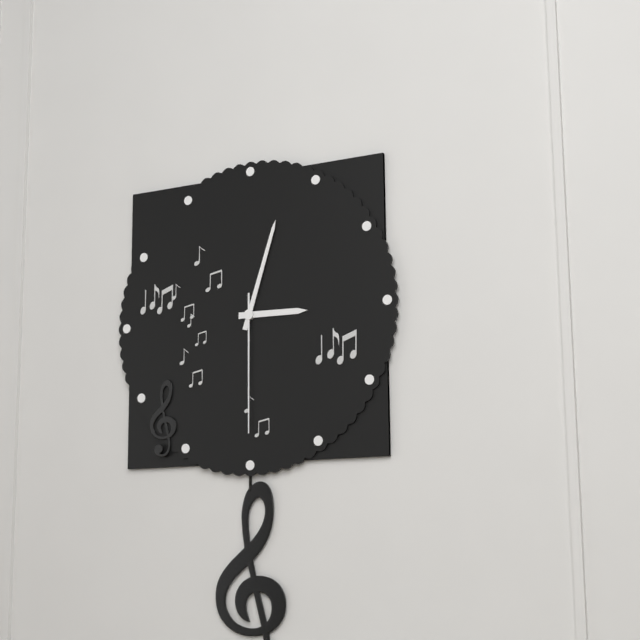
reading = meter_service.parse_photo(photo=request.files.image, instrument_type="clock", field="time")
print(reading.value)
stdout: 3:03:30
